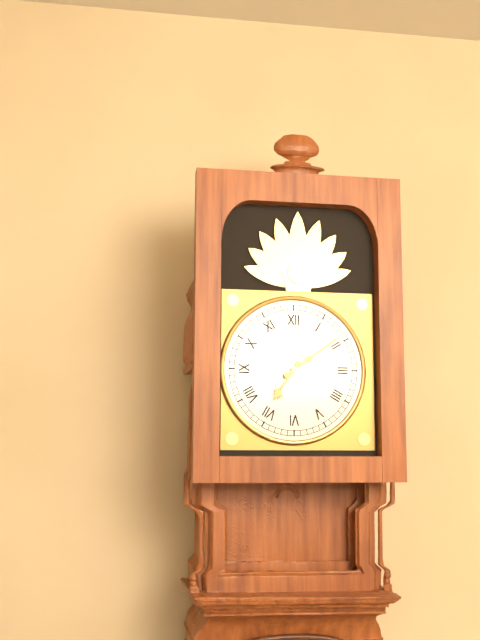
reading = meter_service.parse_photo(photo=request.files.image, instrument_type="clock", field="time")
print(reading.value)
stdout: 7:09
